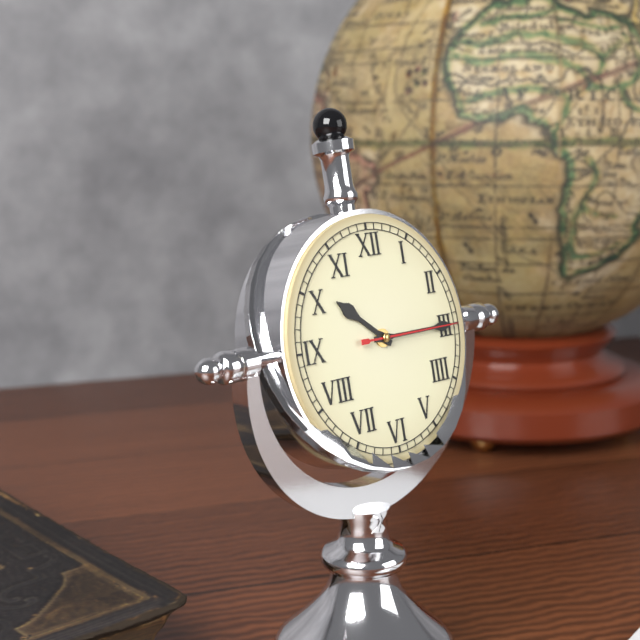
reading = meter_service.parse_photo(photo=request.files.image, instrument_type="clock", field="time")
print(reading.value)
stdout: 10:15:15
